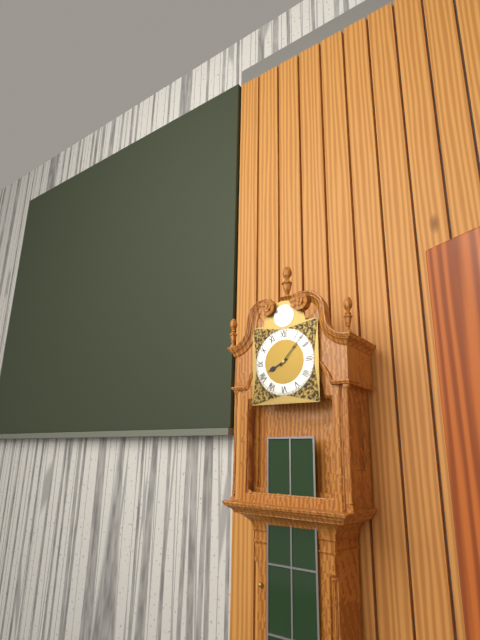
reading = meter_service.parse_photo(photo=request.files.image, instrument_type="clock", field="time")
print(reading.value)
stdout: 8:07
